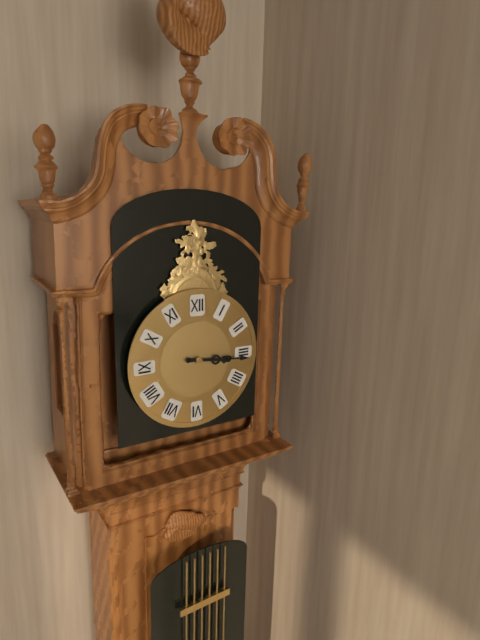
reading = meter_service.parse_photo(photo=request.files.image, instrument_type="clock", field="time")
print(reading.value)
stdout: 3:16
